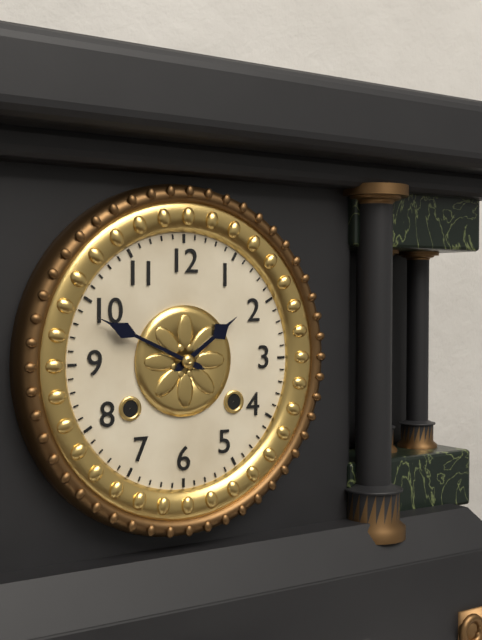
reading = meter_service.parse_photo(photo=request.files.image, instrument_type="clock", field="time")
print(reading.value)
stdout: 1:49
